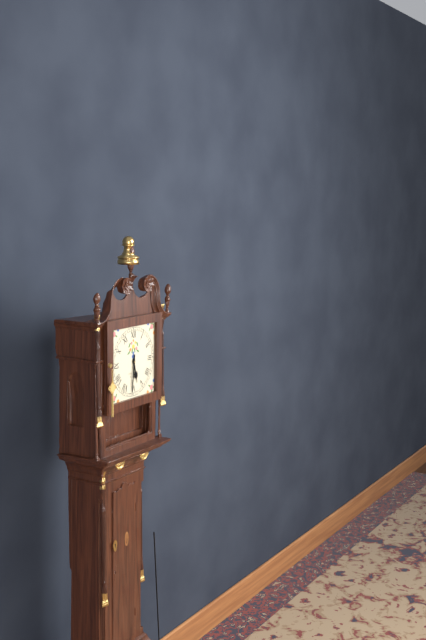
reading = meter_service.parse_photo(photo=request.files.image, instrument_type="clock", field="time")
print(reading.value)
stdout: 5:31
